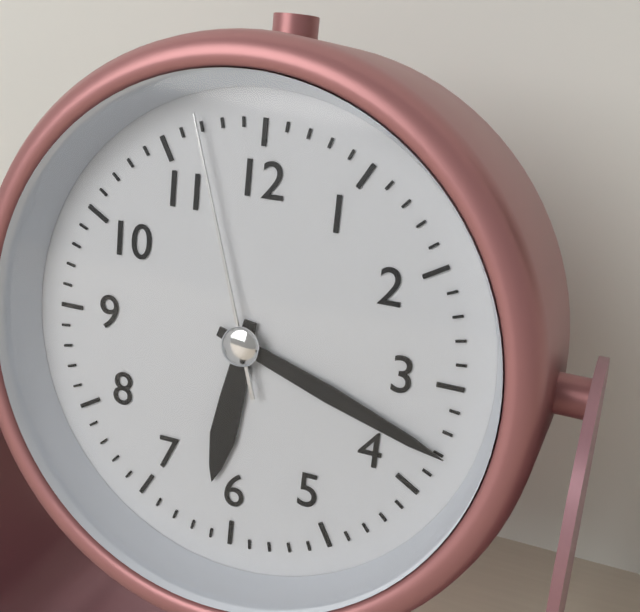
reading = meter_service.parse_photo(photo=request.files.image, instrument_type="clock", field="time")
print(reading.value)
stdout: 6:18:57
